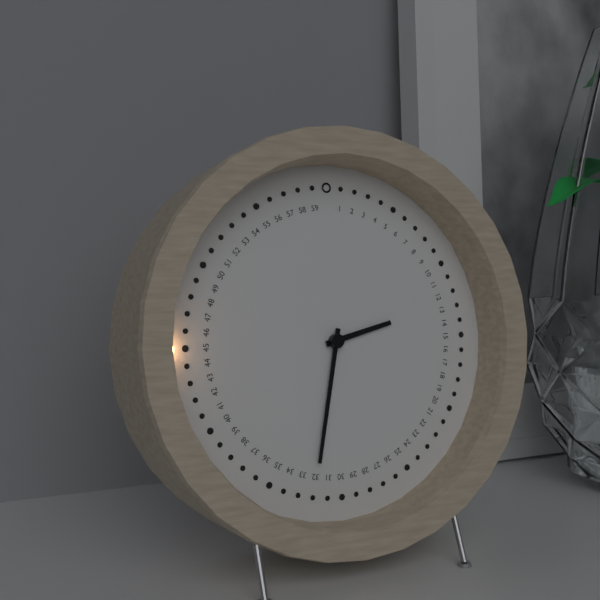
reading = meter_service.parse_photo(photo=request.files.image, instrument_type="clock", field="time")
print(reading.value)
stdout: 2:32
